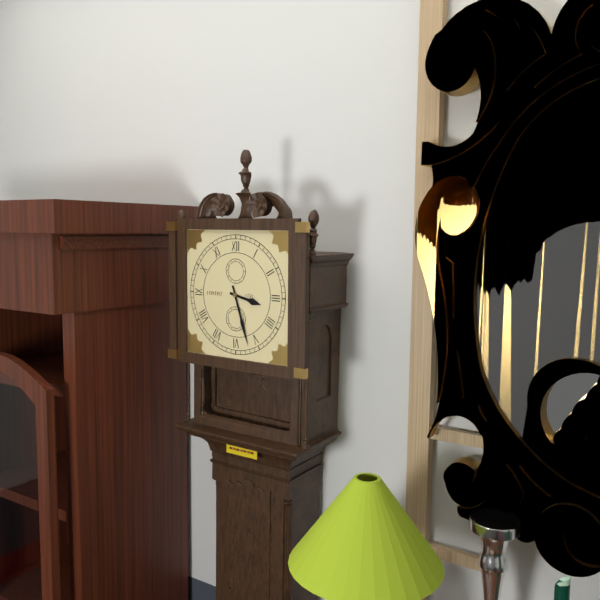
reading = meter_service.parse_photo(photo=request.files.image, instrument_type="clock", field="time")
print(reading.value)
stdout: 3:27
